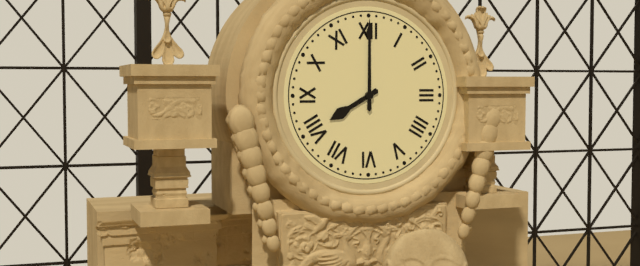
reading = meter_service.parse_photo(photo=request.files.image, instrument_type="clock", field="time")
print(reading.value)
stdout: 8:00
